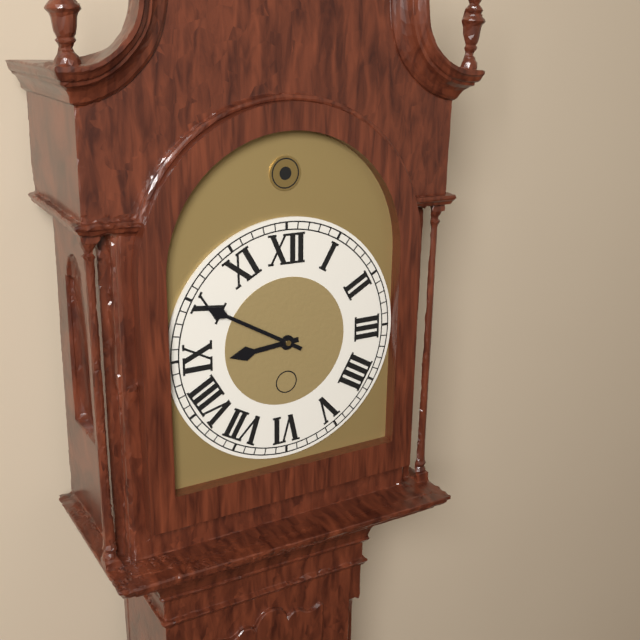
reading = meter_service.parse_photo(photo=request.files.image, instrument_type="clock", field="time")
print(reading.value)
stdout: 8:50
